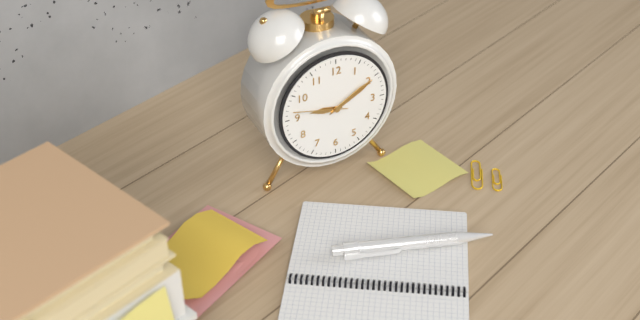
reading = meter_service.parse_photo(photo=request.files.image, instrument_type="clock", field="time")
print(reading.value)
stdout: 9:10:47
